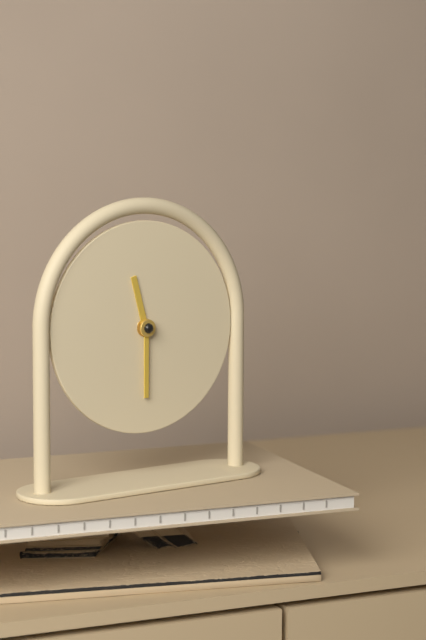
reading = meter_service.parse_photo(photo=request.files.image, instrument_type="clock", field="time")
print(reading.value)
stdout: 11:30
